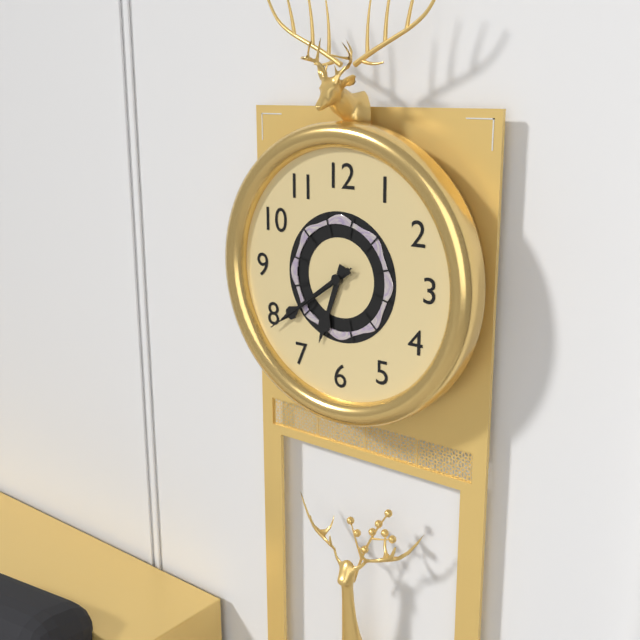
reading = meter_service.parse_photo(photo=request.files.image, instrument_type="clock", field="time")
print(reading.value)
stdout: 6:39:39
